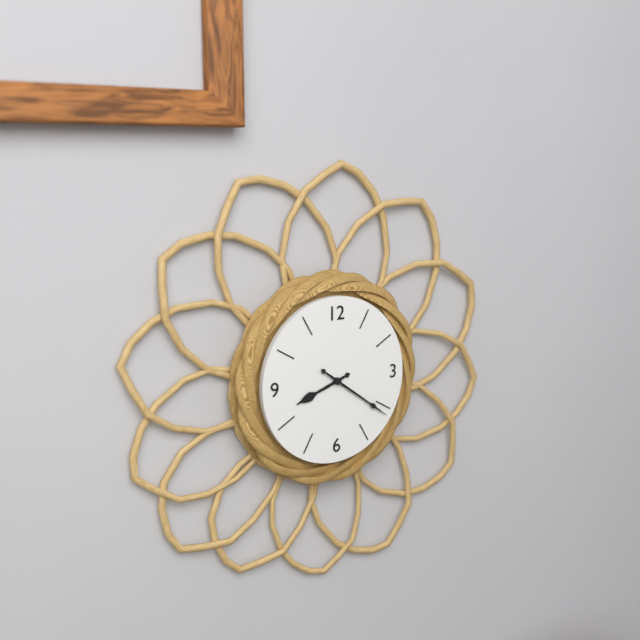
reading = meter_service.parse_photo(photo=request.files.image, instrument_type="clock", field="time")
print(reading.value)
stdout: 8:21
